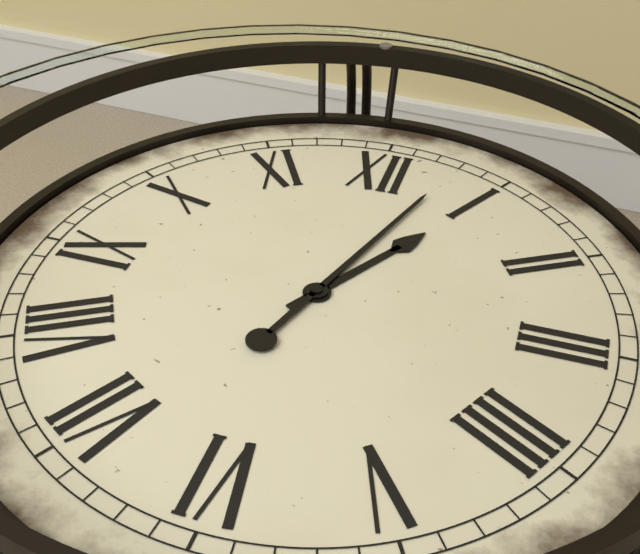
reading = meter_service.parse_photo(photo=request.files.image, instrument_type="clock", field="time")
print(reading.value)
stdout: 1:03
